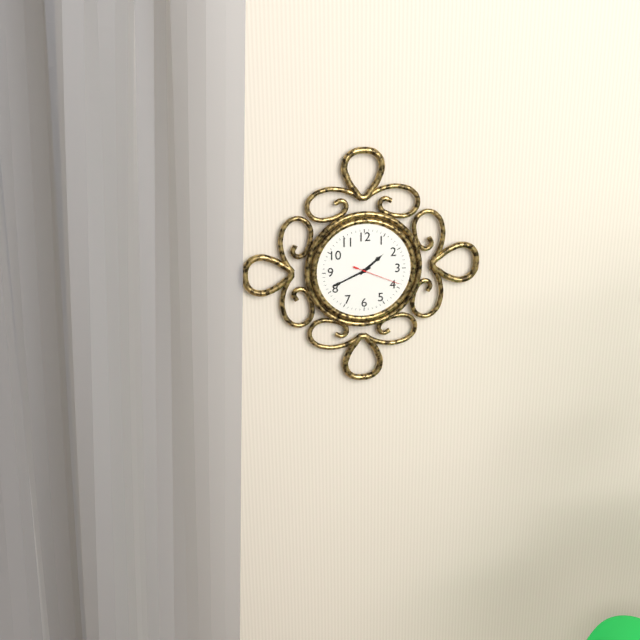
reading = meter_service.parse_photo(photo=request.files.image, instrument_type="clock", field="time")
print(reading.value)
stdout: 1:41
